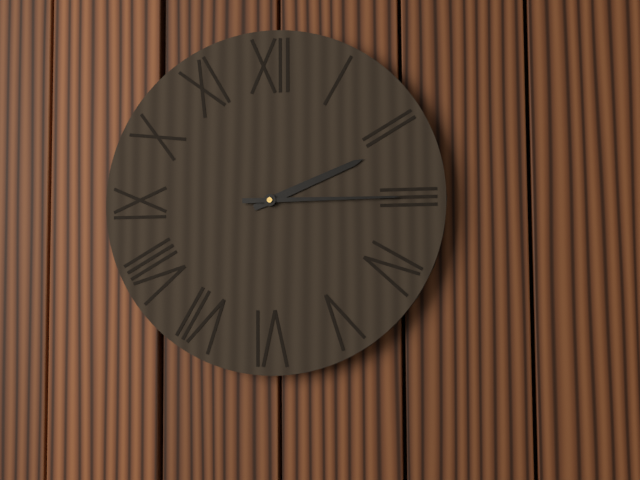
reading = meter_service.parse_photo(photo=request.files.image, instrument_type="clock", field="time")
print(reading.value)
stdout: 2:15
